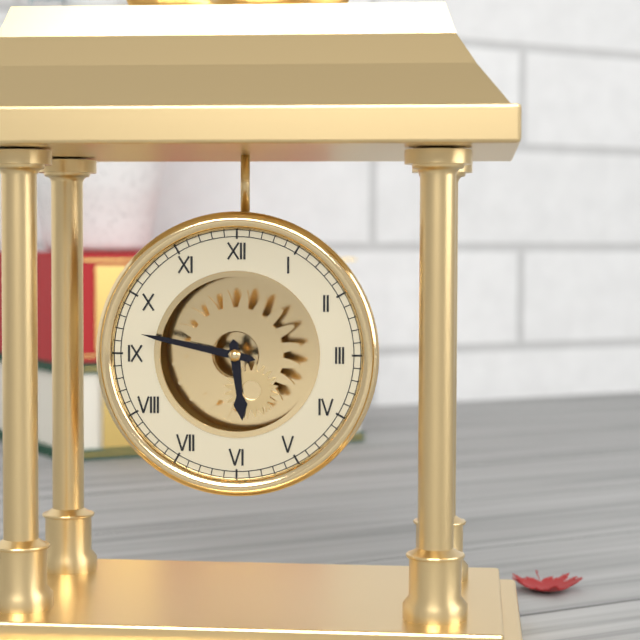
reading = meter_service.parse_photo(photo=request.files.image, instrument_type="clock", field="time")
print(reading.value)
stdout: 5:47
